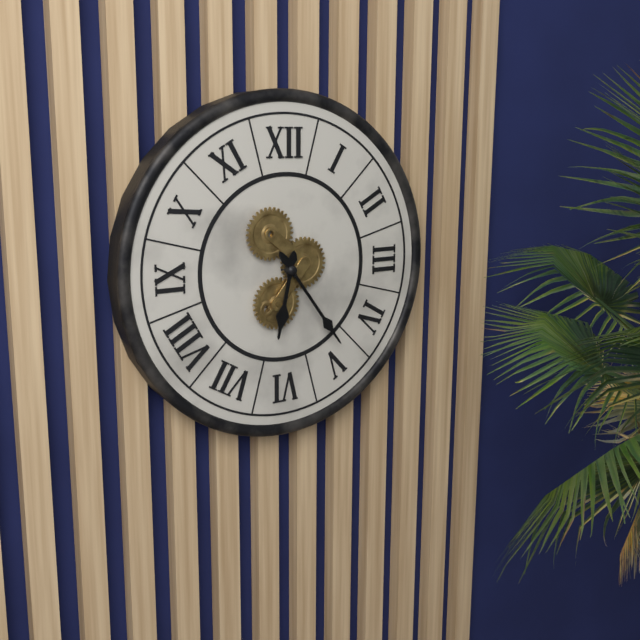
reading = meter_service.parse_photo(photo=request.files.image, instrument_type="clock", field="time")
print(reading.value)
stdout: 6:24
